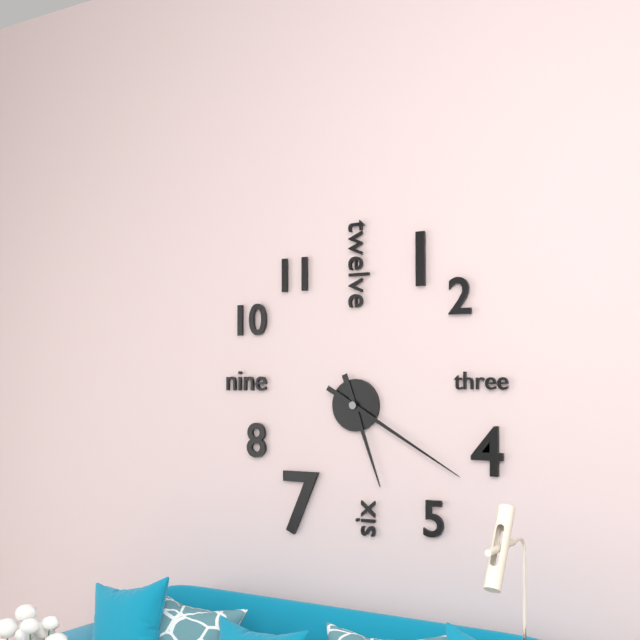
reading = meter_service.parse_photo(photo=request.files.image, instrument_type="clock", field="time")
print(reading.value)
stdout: 5:20
